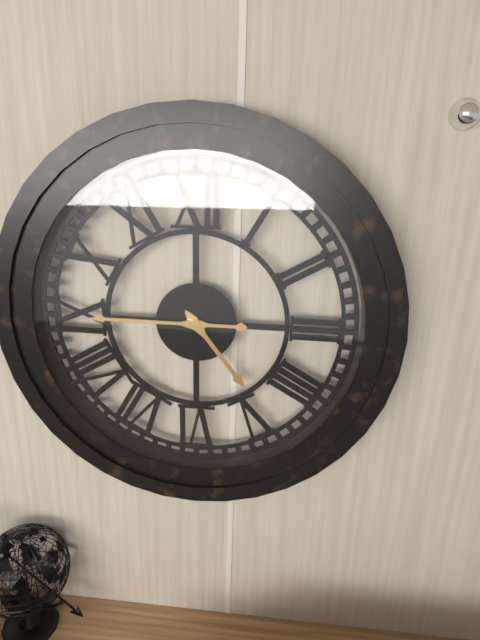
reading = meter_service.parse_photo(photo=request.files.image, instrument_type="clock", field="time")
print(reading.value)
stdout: 4:45
